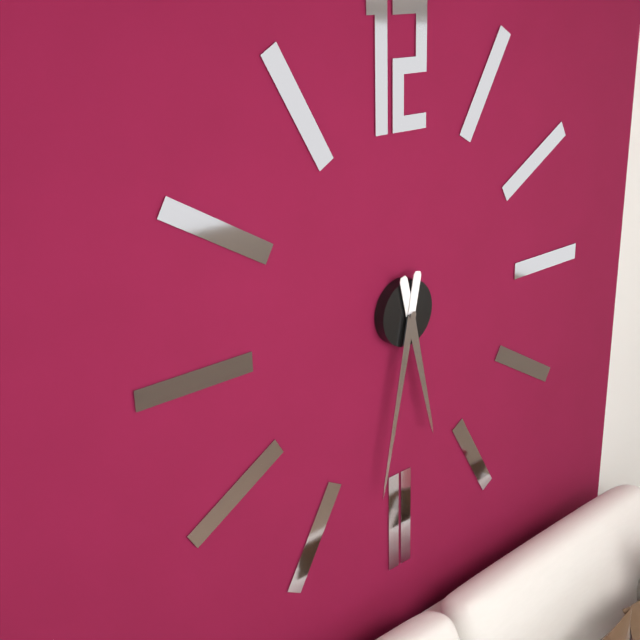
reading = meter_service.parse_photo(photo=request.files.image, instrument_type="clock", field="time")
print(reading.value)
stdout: 5:32
